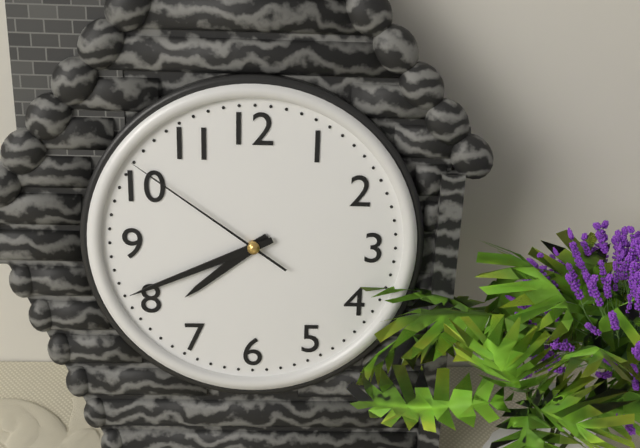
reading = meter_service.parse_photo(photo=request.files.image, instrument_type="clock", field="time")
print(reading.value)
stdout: 7:41:51
